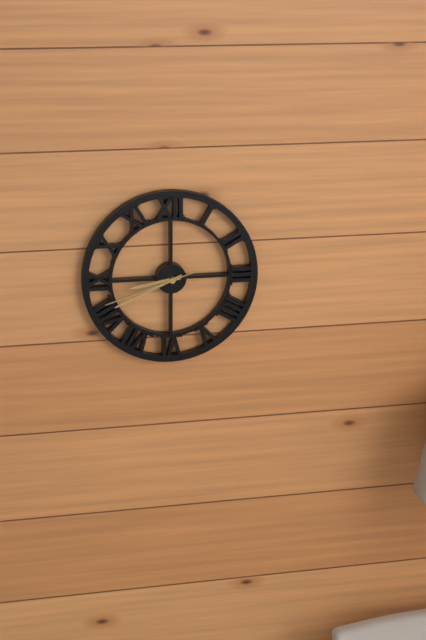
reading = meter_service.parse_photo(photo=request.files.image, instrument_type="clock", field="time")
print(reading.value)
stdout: 8:41:42
